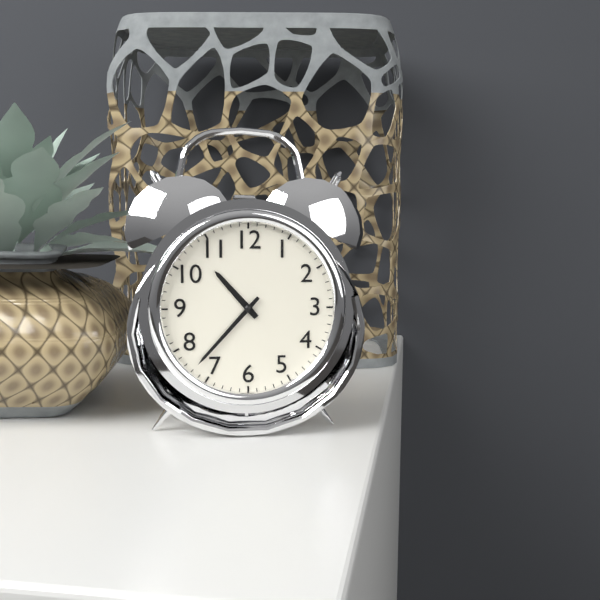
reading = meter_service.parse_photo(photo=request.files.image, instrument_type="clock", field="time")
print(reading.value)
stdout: 10:37
